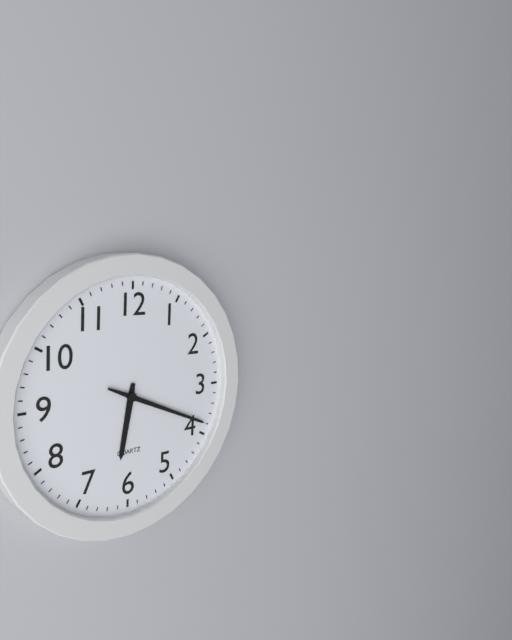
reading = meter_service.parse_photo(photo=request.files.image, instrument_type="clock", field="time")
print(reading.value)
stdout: 6:19
